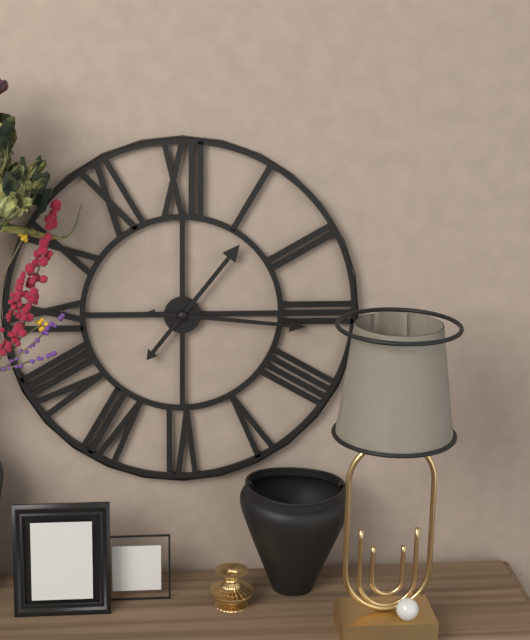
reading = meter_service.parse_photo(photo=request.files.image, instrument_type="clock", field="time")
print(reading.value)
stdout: 1:16
